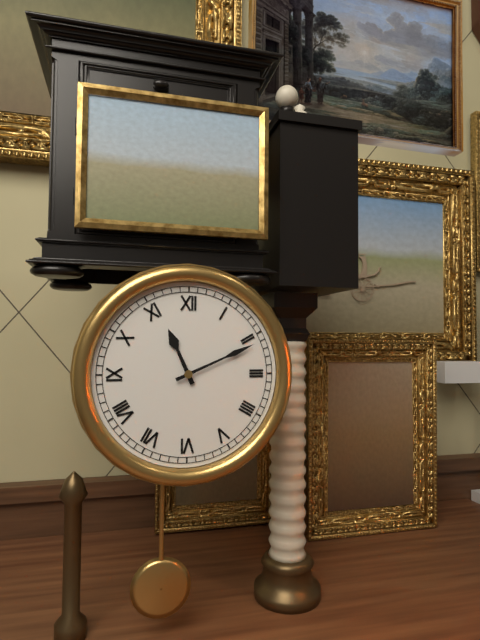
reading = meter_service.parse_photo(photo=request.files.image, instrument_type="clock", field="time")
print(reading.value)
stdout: 11:11
